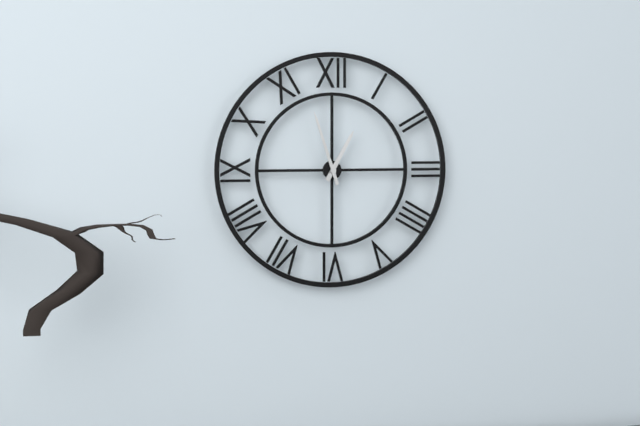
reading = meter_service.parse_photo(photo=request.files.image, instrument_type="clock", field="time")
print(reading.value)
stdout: 12:57
